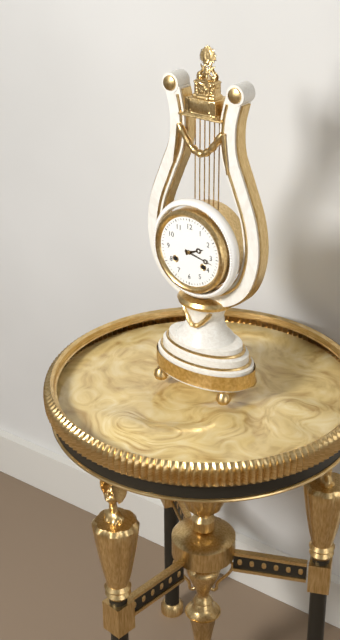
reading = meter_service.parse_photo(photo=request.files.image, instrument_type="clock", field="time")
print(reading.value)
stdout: 2:17
